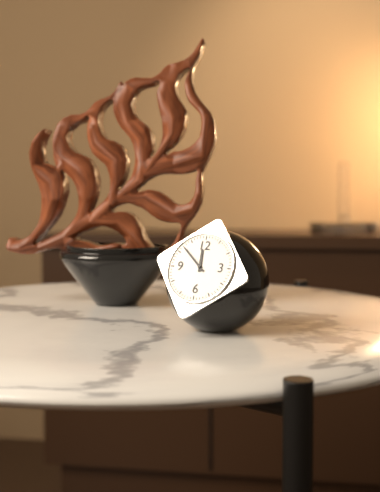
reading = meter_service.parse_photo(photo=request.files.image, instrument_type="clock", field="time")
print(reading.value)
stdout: 11:52
